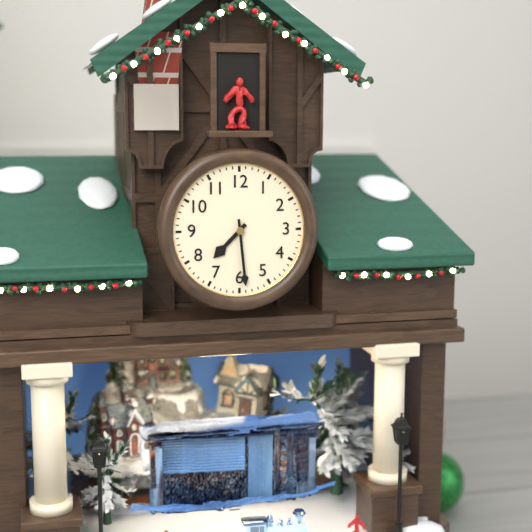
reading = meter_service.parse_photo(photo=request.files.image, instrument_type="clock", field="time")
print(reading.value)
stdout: 7:29
